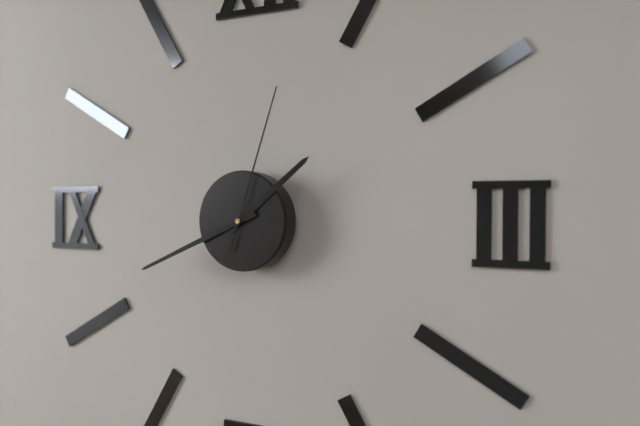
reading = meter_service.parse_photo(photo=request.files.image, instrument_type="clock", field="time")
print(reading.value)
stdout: 1:41:03
